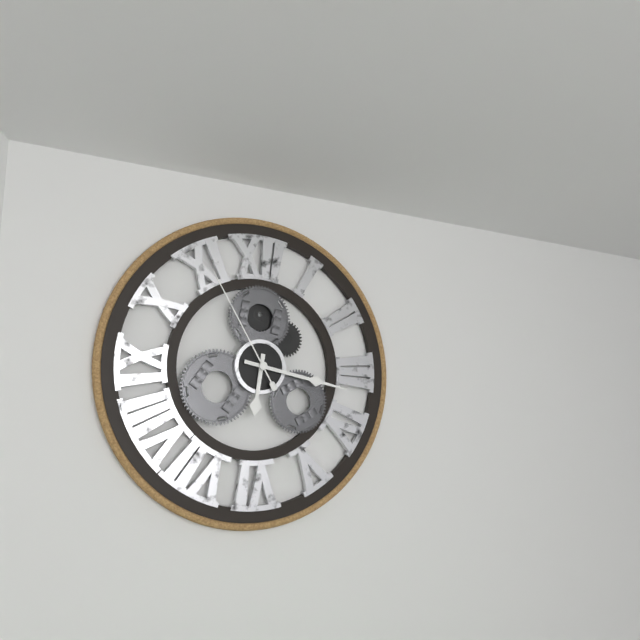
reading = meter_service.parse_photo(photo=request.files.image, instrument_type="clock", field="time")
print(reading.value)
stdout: 6:17:55
